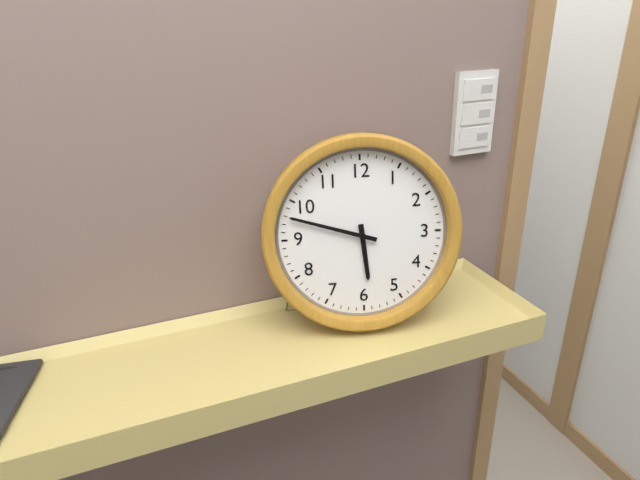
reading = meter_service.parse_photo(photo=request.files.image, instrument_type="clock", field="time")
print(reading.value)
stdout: 5:48
